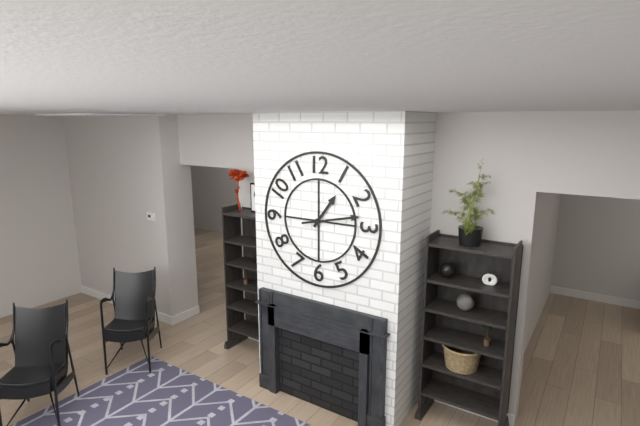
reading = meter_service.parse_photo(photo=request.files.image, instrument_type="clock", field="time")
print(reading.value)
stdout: 1:13
